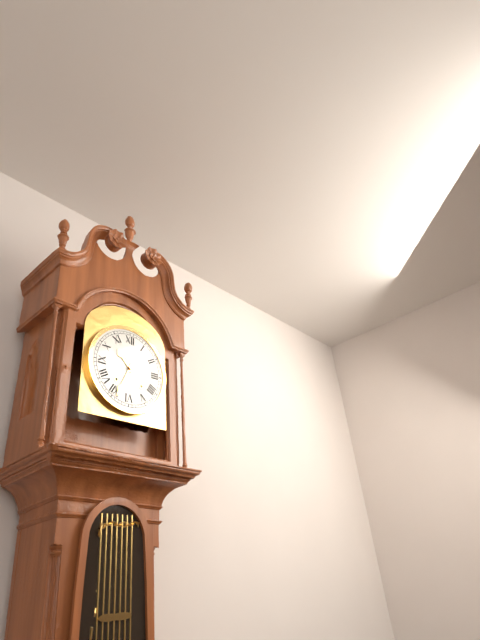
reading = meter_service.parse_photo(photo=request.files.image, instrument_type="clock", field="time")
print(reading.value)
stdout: 10:34
